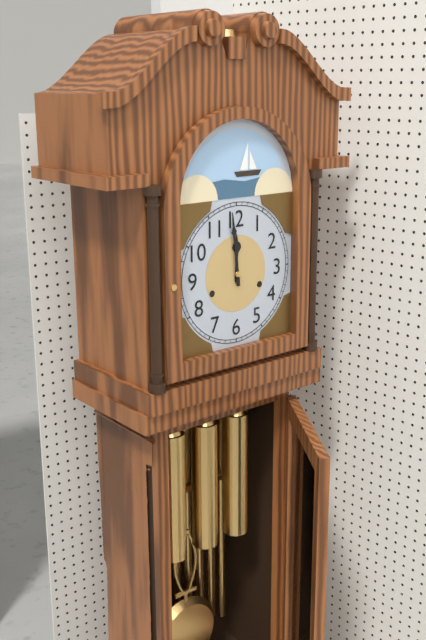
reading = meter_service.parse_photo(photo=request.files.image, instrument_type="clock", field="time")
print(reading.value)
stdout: 11:59
